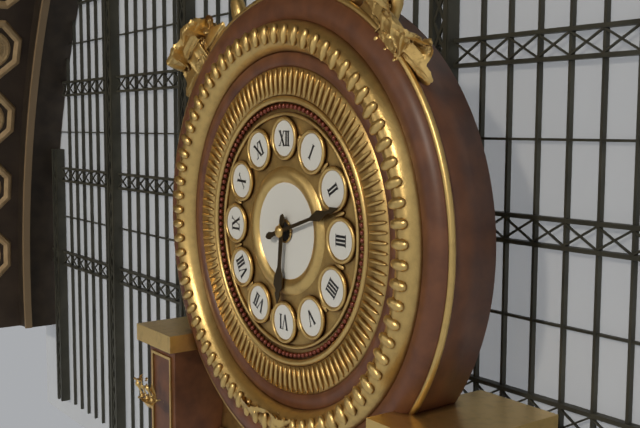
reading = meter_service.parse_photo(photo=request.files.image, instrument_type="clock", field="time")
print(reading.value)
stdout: 6:12
